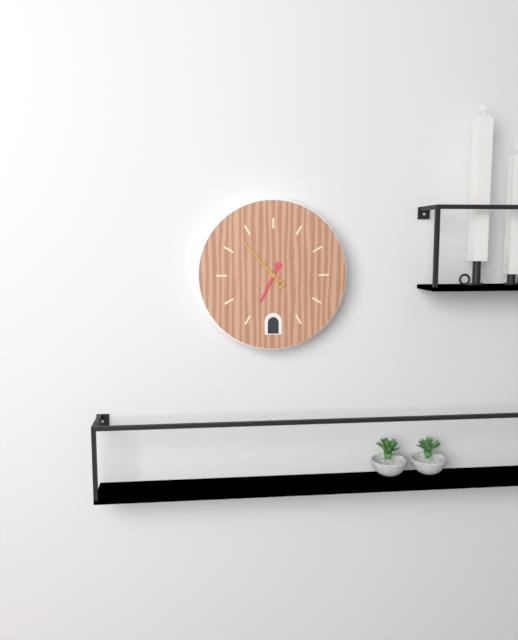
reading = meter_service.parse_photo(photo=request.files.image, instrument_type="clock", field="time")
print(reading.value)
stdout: 6:53
